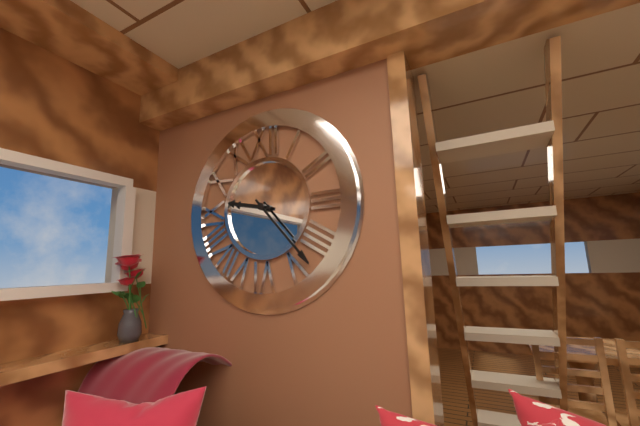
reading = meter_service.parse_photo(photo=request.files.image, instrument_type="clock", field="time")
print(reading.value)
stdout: 9:23
